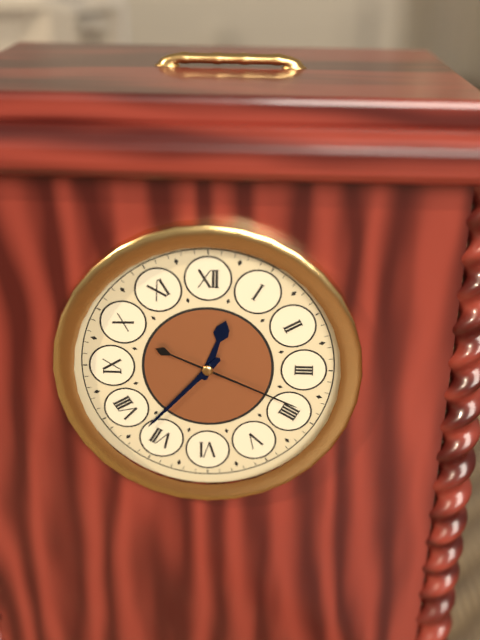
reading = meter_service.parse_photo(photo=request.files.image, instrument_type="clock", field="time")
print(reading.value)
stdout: 12:37:19
